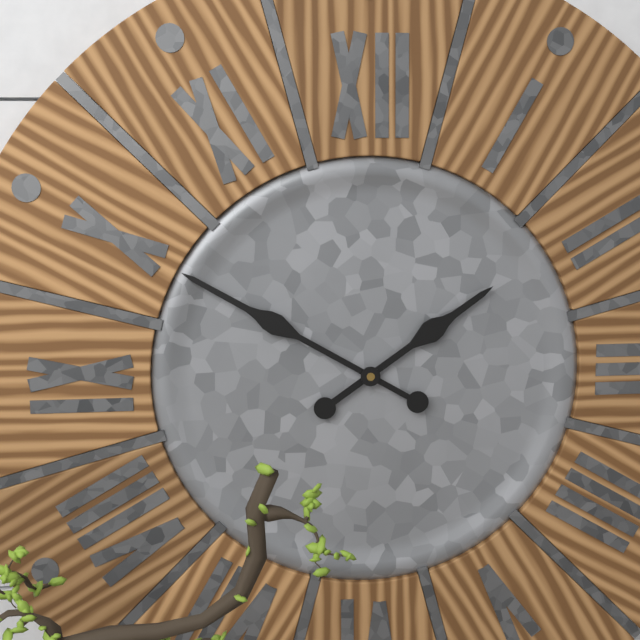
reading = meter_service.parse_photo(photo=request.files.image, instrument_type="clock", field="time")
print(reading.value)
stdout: 1:50
